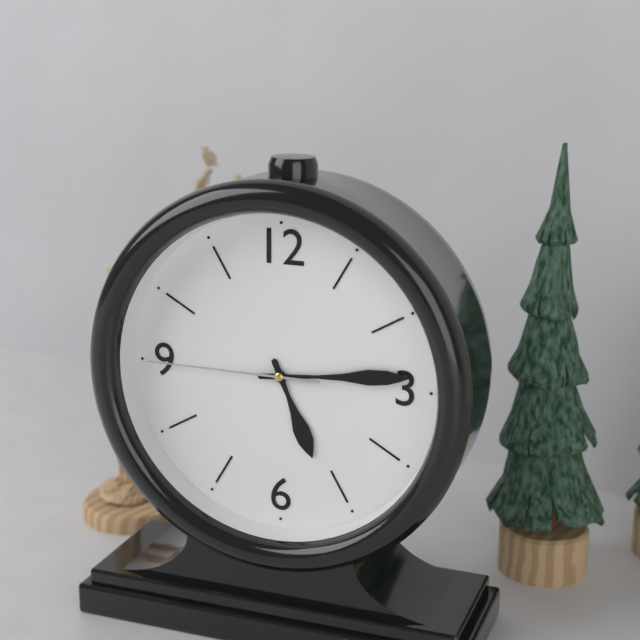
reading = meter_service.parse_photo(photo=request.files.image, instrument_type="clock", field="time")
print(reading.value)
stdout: 5:14:45
